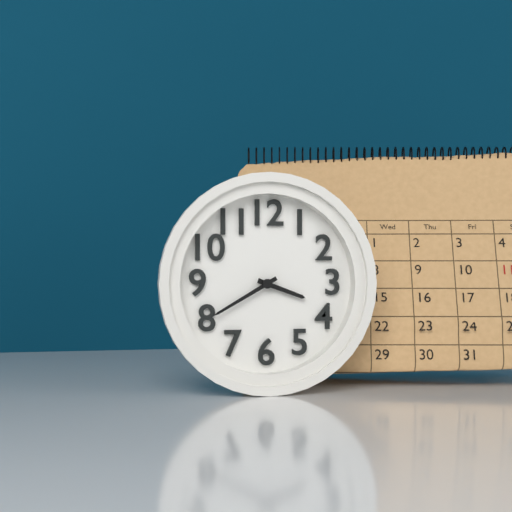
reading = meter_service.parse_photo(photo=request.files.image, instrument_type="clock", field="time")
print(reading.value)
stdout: 3:40
